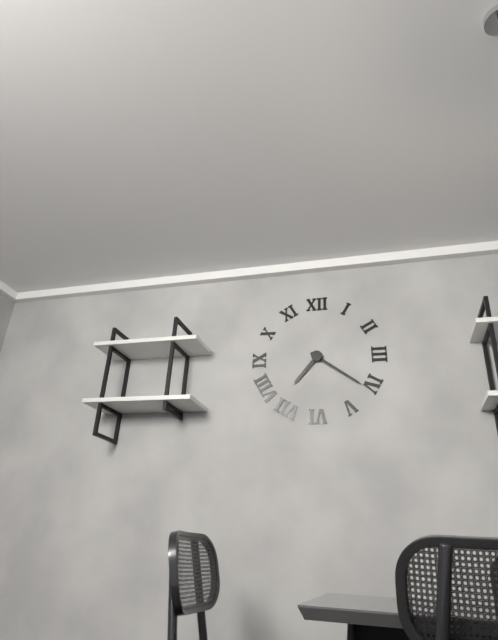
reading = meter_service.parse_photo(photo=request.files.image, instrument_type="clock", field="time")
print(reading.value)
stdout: 7:21
